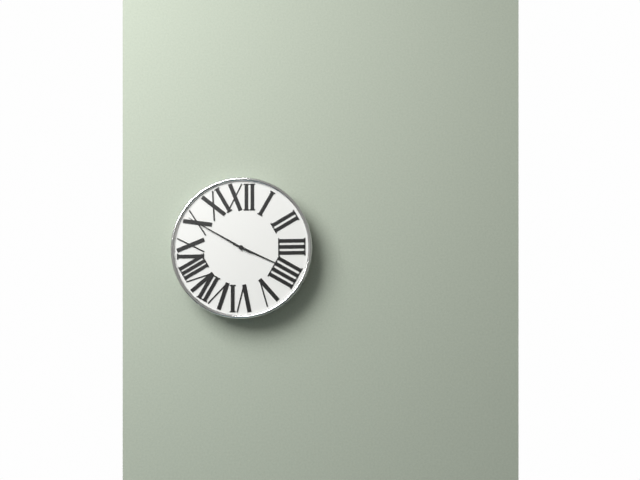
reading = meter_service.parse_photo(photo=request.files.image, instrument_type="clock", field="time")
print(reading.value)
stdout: 3:50
